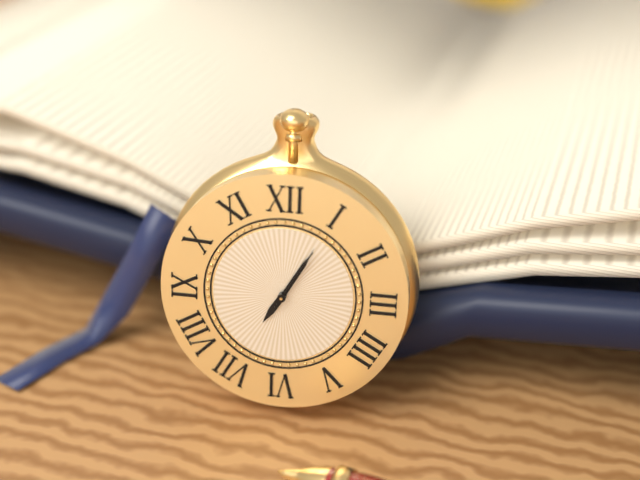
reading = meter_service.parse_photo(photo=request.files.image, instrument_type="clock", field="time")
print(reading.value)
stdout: 7:05:05
